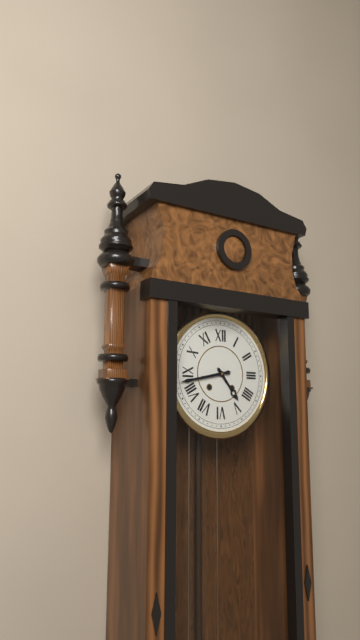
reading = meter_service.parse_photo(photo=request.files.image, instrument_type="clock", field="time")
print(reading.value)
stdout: 4:43
